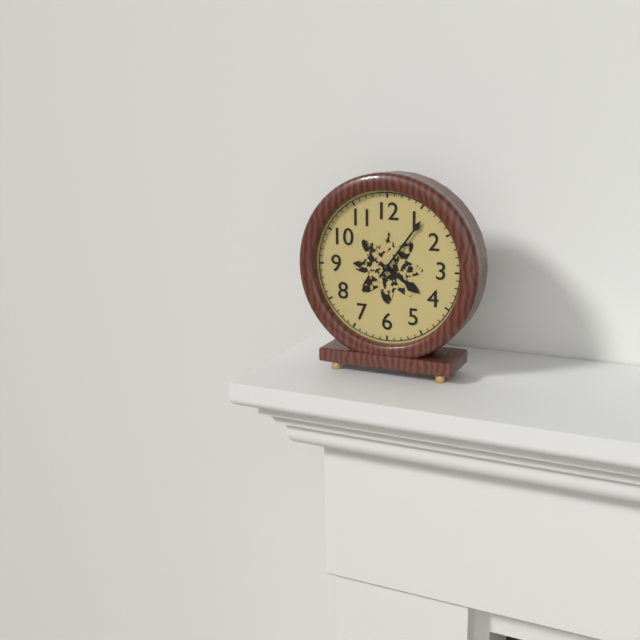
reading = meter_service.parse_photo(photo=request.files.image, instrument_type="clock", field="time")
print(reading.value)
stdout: 4:06
